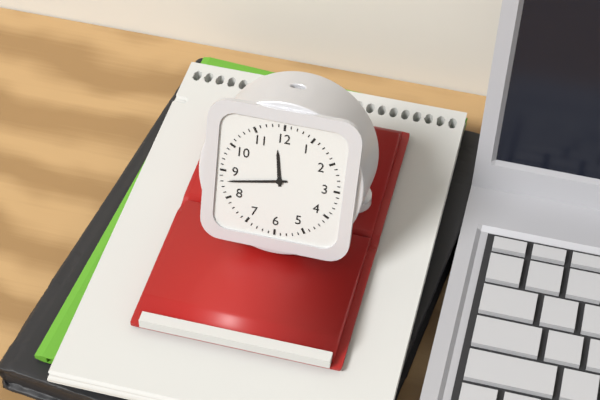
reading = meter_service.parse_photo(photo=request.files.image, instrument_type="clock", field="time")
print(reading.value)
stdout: 11:43
